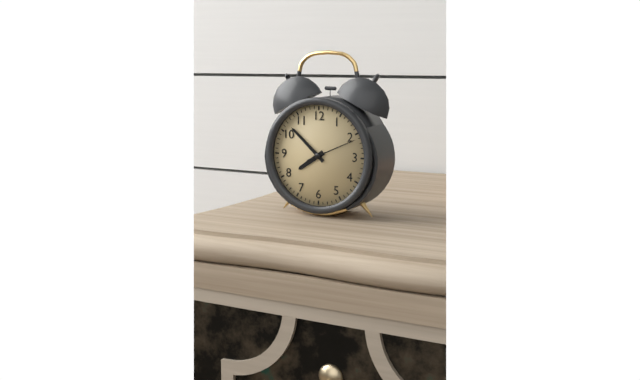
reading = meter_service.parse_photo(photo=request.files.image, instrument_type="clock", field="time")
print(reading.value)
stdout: 7:52:11
